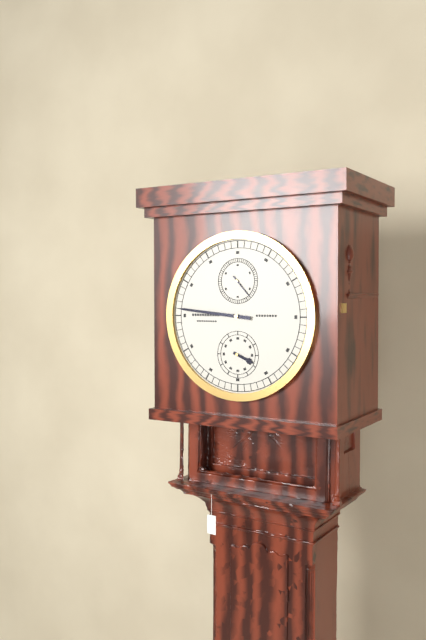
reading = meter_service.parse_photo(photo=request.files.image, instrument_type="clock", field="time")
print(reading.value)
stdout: 3:46
